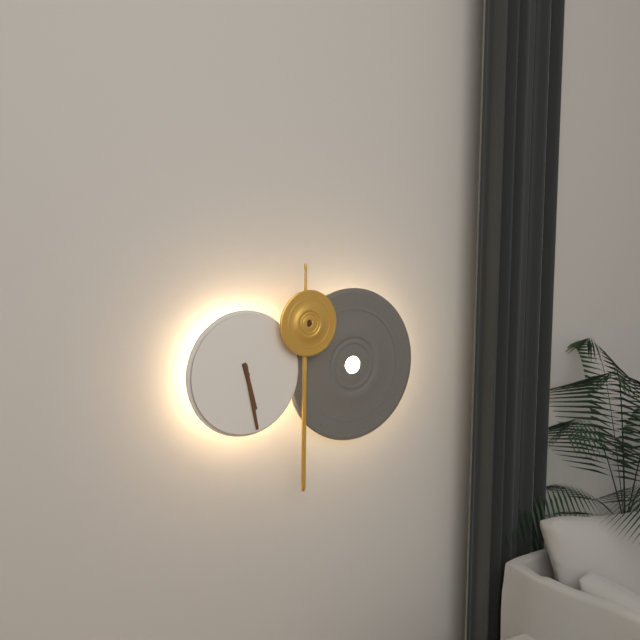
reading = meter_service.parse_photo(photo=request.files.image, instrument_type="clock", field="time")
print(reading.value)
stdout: 5:28
